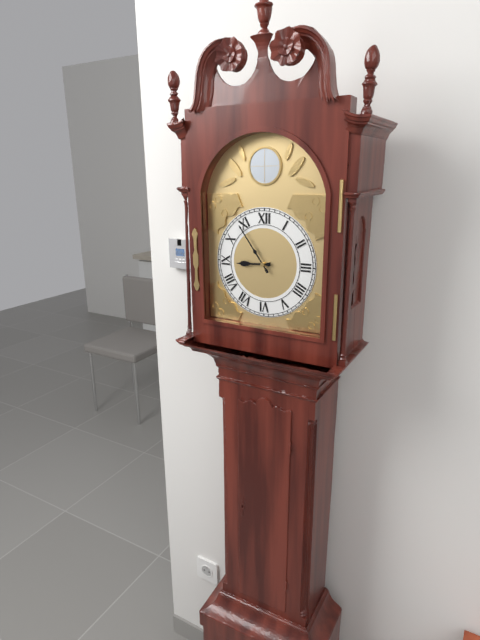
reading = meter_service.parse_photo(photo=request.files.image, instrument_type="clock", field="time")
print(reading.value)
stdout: 8:54
